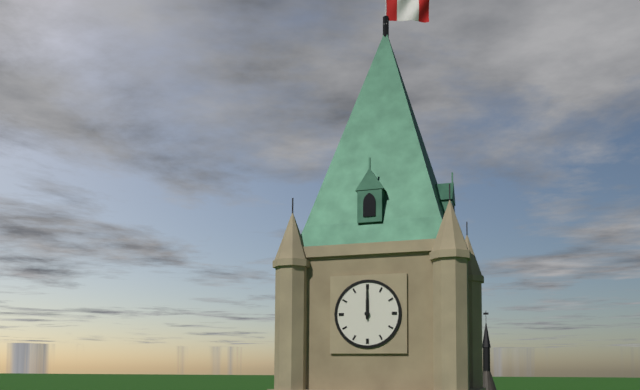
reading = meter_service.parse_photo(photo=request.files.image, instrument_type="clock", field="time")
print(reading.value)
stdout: 12:00
